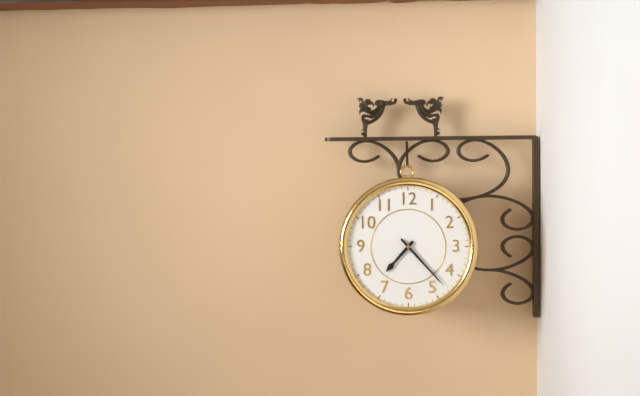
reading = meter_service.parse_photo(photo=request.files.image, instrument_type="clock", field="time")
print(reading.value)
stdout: 7:23
